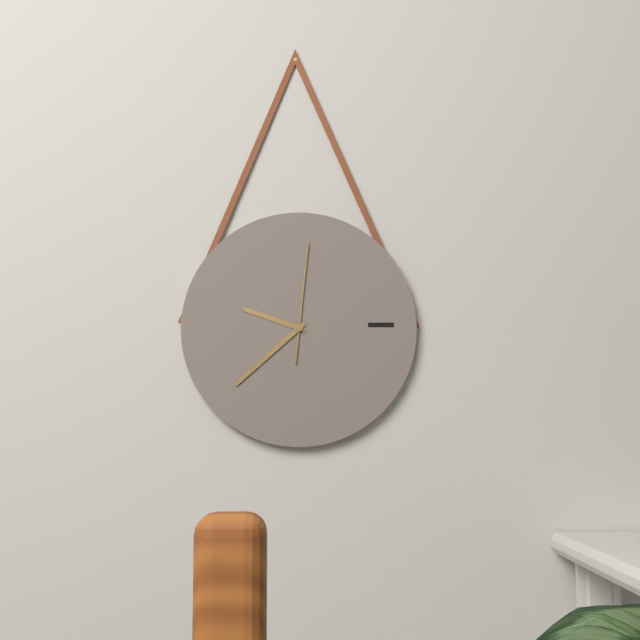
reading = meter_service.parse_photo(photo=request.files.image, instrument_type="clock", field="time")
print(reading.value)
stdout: 9:38:01
